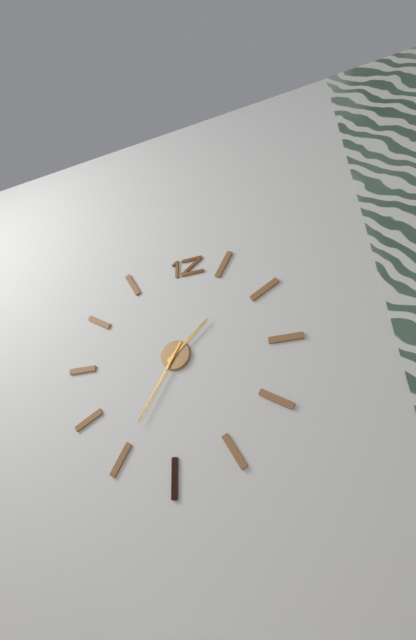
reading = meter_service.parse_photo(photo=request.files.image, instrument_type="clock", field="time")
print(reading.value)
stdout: 1:35
